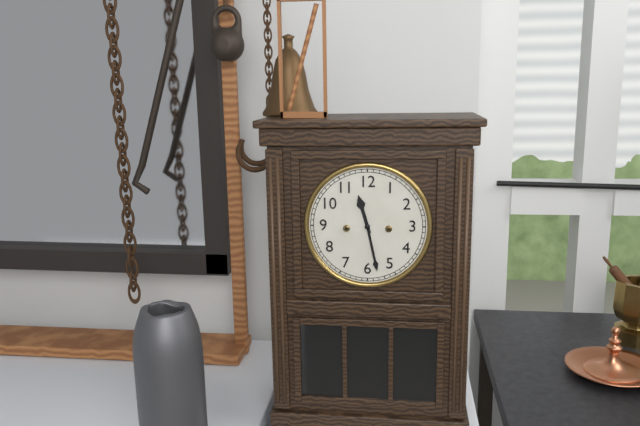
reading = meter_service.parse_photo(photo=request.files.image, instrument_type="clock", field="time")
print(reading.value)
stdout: 11:28
